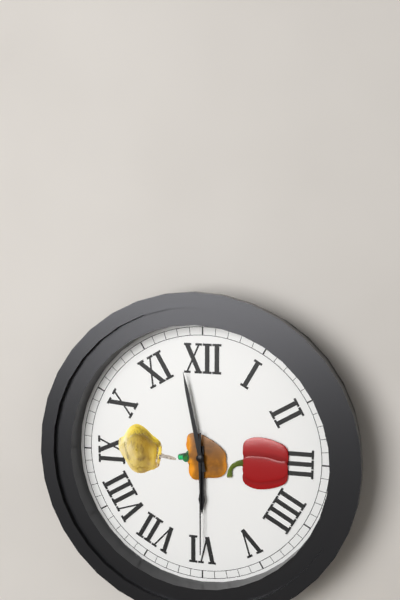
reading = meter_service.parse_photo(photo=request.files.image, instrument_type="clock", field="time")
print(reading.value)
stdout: 5:58:30
